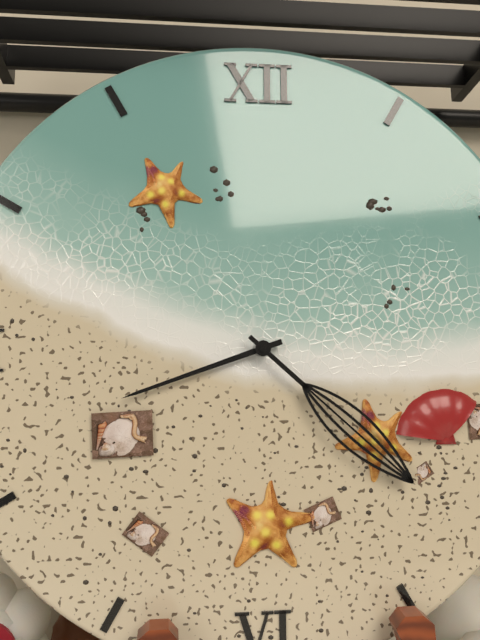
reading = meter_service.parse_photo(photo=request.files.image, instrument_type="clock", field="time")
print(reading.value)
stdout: 8:22
